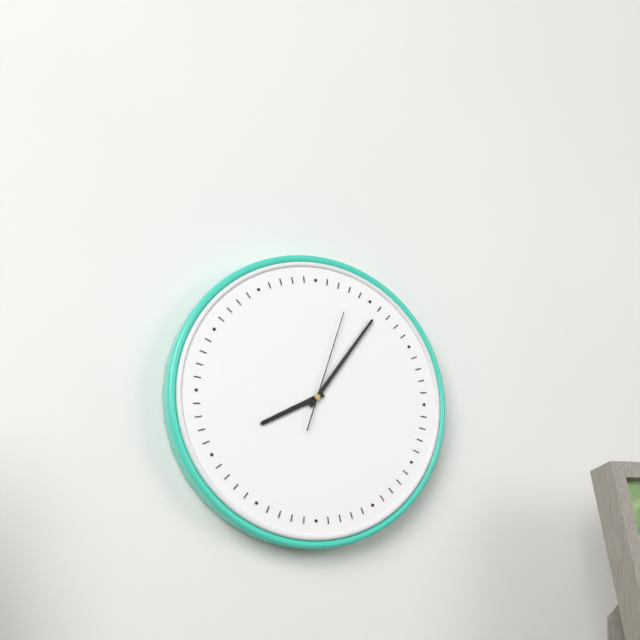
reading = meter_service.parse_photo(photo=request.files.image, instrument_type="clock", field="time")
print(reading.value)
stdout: 8:06:03
